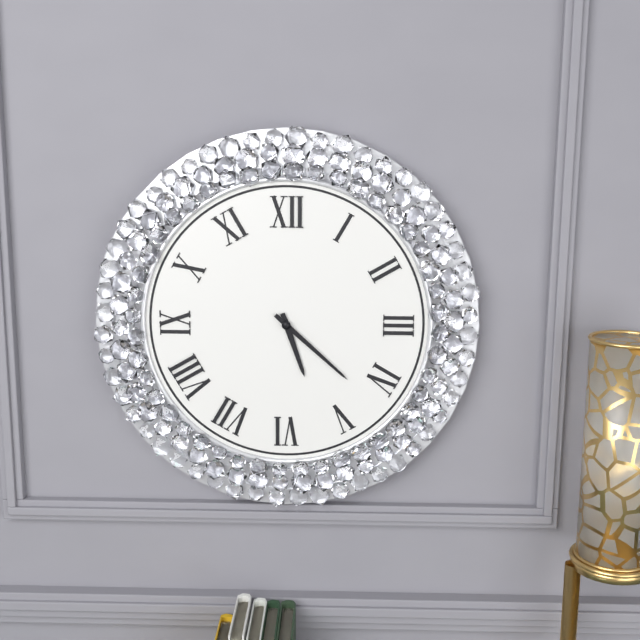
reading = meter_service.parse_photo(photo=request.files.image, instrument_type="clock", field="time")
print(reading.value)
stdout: 5:22
